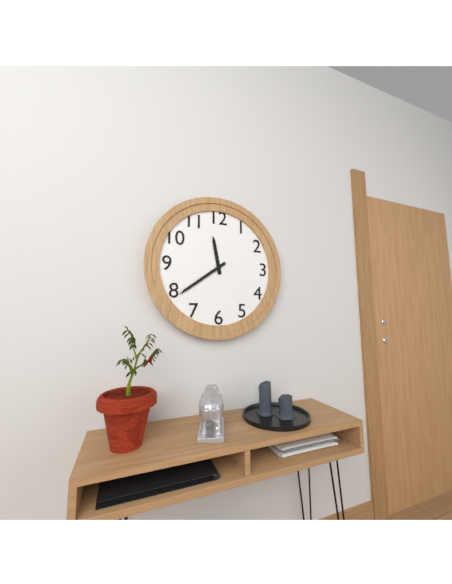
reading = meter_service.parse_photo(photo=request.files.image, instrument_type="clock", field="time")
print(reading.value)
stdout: 11:39
